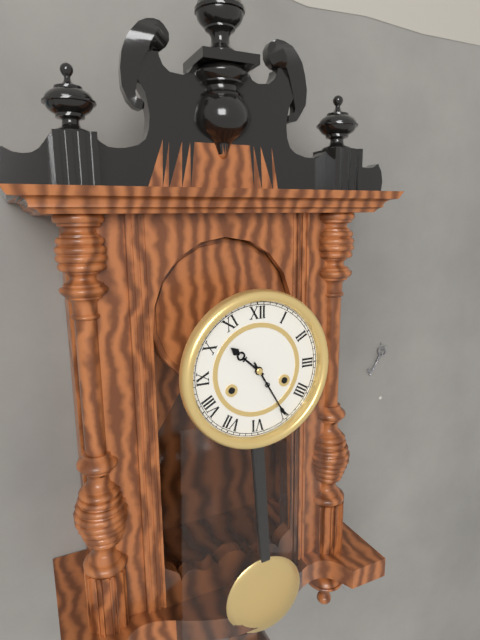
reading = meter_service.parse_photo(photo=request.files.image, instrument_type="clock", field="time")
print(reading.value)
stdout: 10:25
